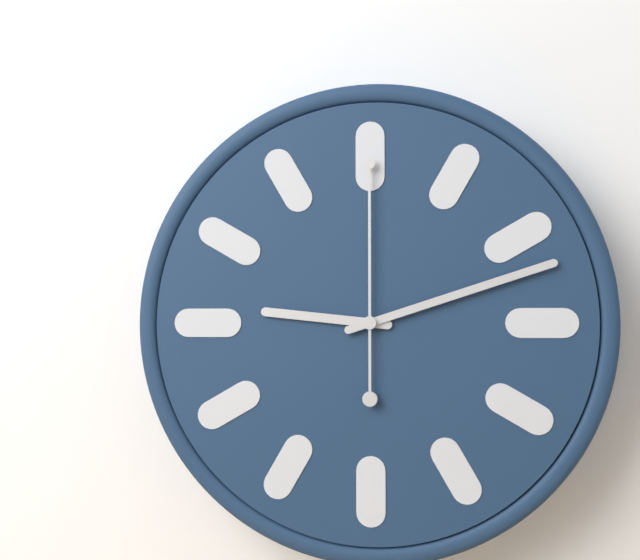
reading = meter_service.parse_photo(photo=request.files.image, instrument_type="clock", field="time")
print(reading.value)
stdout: 9:12:00
